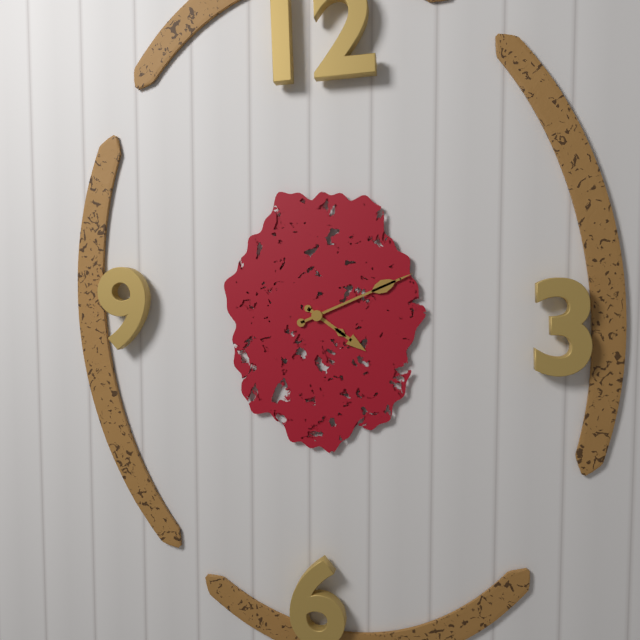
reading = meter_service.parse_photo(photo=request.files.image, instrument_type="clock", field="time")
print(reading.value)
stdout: 4:11
